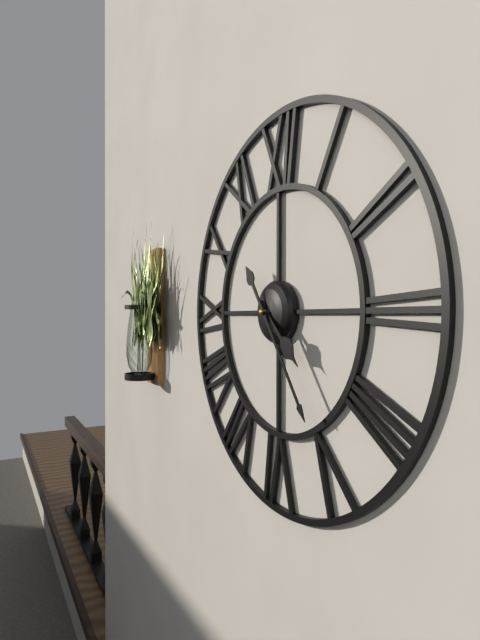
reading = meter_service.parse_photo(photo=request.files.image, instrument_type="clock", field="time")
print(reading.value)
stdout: 4:24
